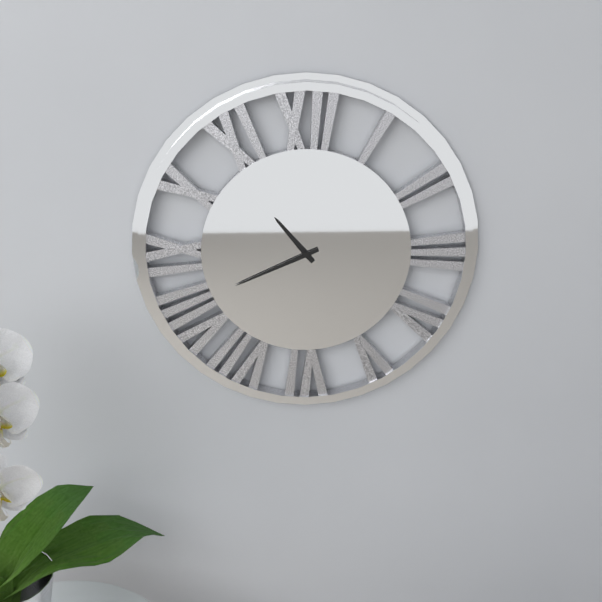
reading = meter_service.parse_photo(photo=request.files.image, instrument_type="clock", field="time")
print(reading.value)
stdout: 10:41
